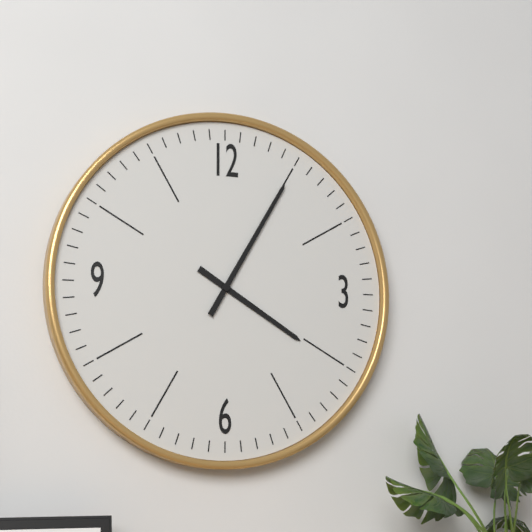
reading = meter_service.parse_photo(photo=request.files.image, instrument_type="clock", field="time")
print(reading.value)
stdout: 4:05
